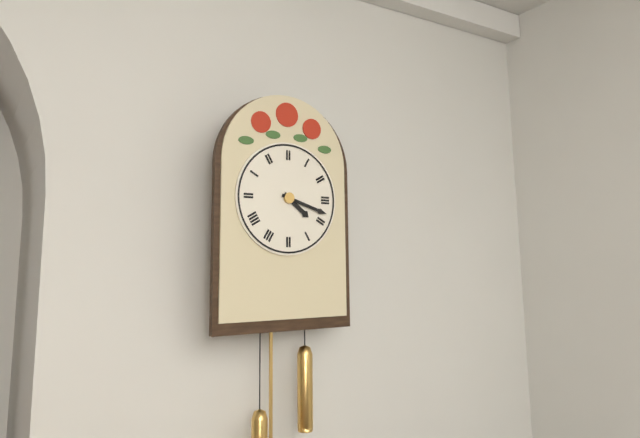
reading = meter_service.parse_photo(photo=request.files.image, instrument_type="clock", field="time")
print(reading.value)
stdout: 4:18
